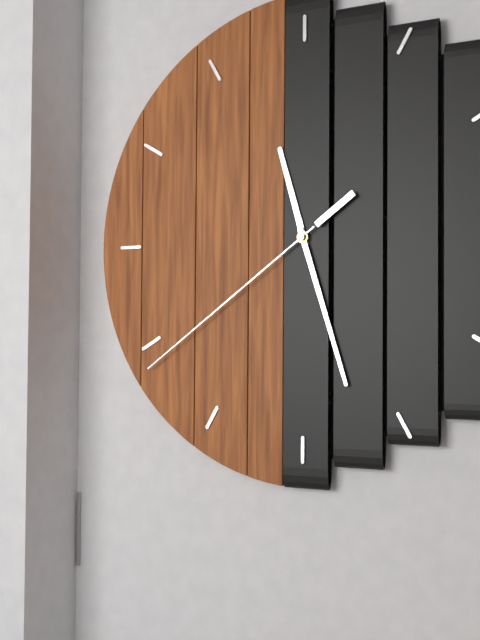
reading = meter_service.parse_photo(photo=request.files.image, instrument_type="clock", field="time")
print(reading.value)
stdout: 11:27:39
